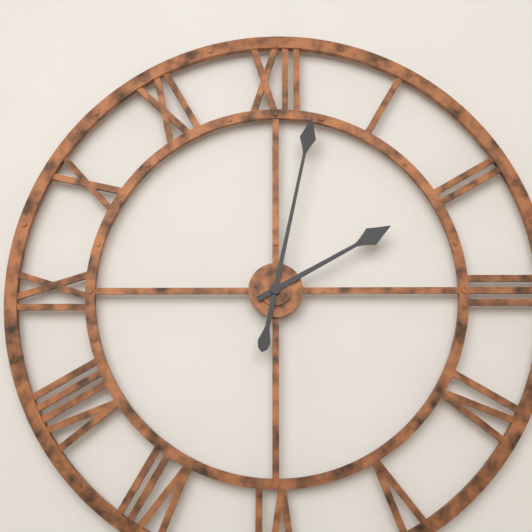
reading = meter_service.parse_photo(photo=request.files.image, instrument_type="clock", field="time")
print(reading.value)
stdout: 2:02
